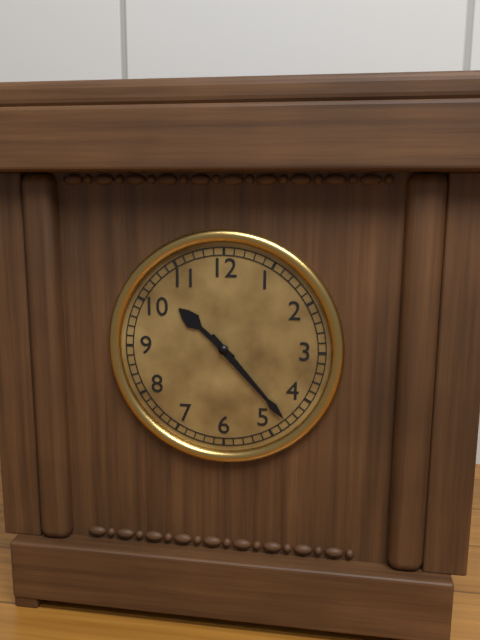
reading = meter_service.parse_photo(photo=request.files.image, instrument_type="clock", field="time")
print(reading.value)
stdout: 10:23
